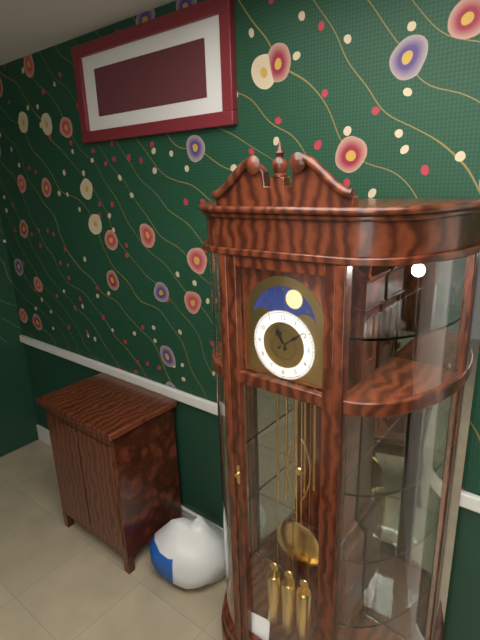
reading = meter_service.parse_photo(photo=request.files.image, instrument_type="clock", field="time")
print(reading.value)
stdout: 11:09
